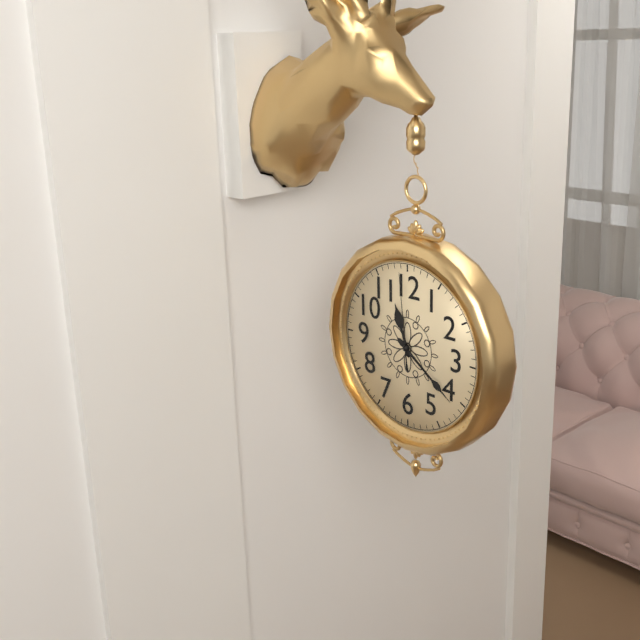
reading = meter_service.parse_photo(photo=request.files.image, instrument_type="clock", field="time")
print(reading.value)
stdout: 11:21:59
